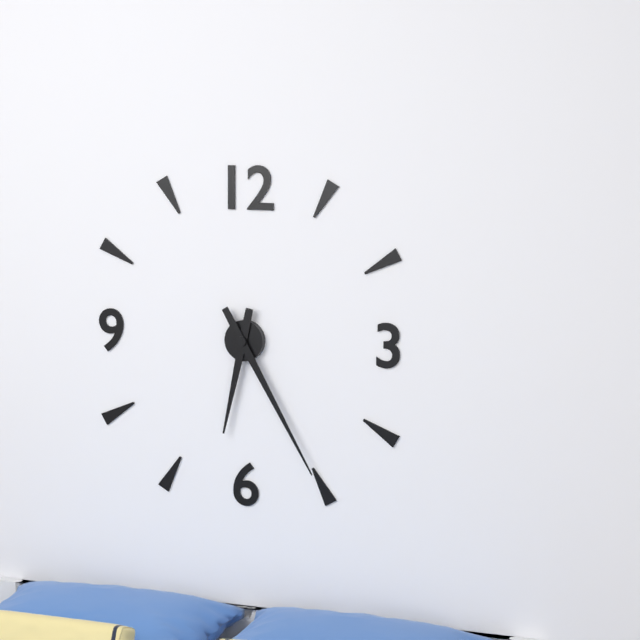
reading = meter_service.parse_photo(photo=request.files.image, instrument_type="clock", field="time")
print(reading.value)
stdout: 6:25
